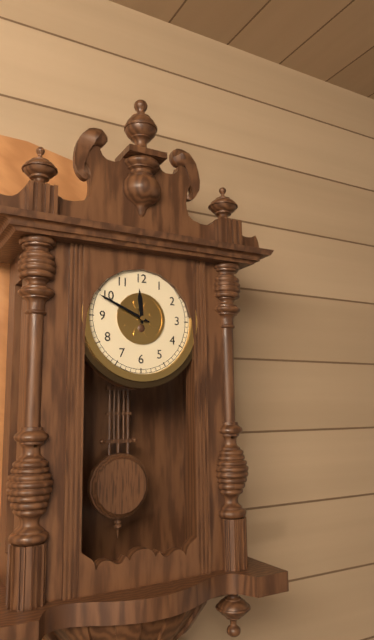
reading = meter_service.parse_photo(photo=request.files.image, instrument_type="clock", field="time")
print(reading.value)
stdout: 11:49
